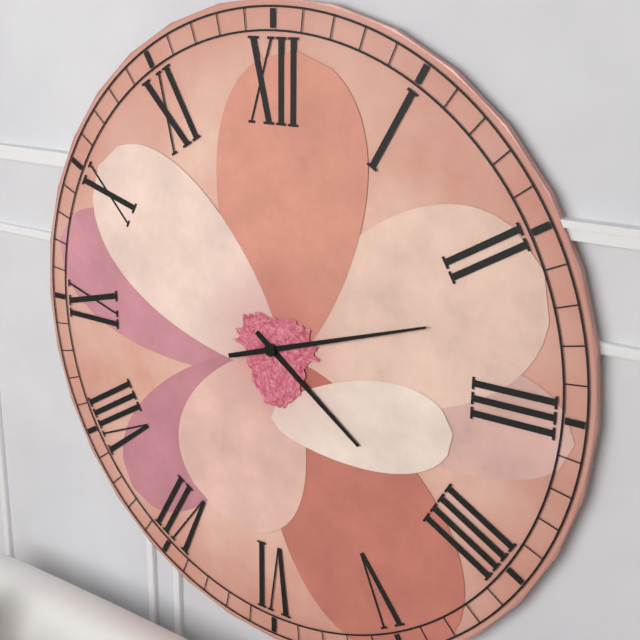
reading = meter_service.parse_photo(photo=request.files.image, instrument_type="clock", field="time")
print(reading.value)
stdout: 4:12
